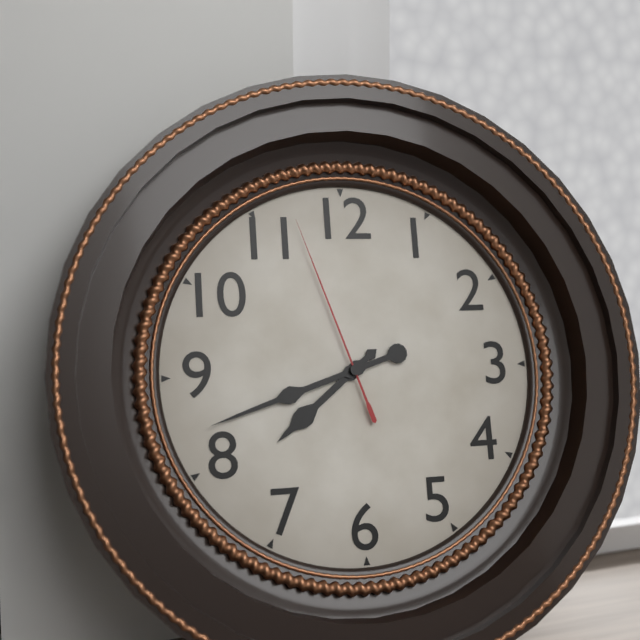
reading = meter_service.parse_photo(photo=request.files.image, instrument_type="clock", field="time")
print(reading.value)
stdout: 7:42:57
